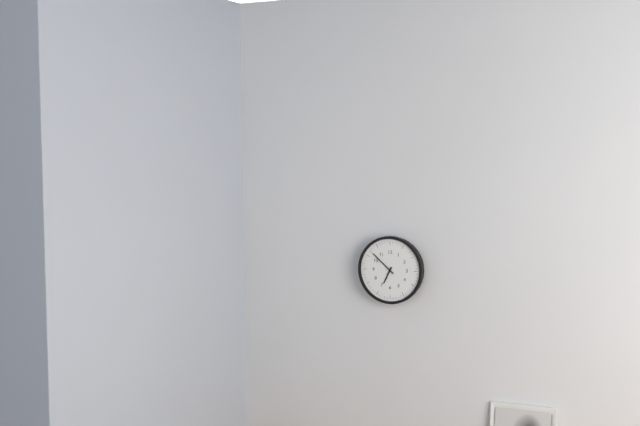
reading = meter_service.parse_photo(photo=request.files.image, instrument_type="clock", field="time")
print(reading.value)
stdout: 6:52
